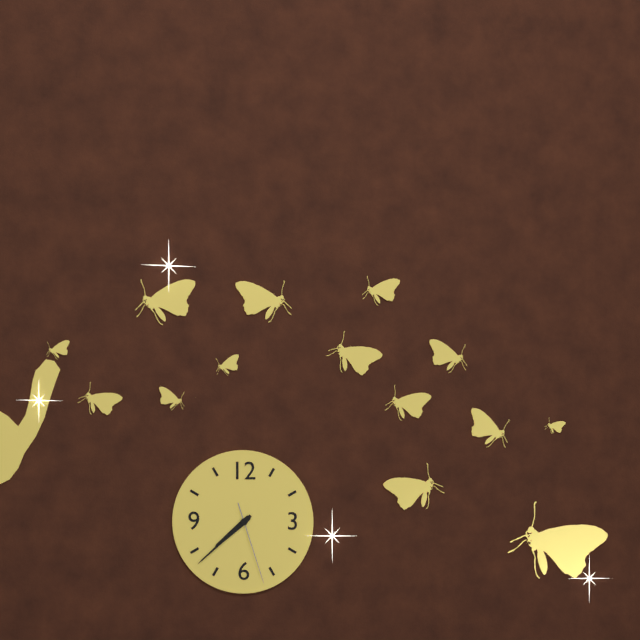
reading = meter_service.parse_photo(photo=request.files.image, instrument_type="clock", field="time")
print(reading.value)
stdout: 7:38:27
